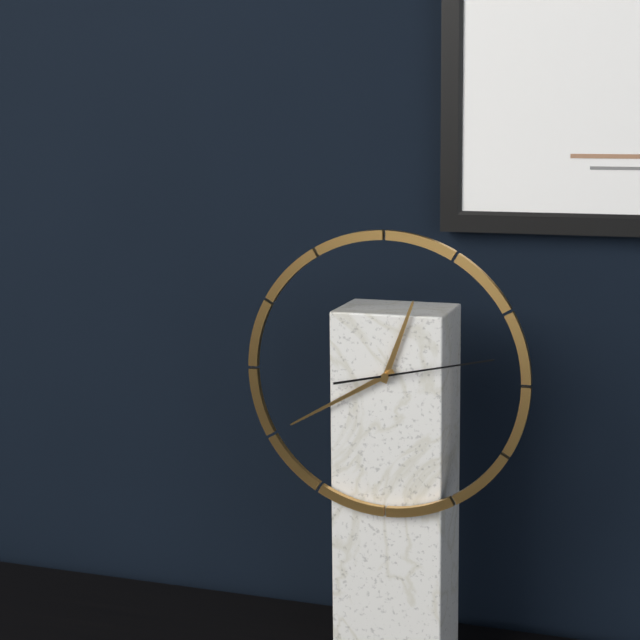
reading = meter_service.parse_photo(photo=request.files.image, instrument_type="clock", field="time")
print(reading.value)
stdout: 12:40:13
